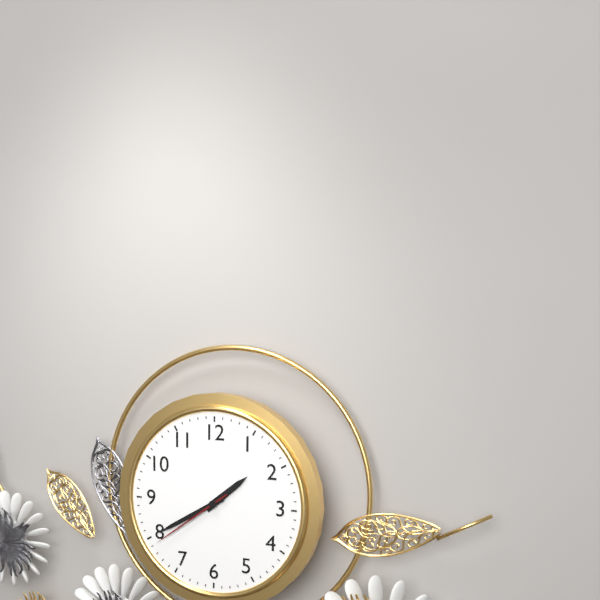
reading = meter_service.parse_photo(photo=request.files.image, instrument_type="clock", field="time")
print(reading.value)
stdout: 1:40:39
